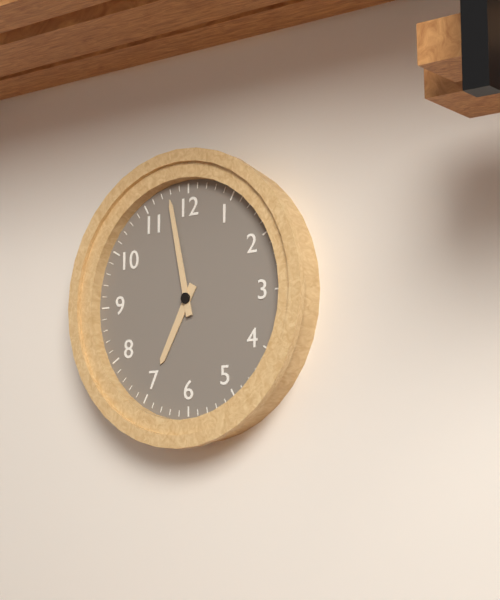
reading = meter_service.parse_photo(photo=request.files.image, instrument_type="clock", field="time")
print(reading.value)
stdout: 6:58
